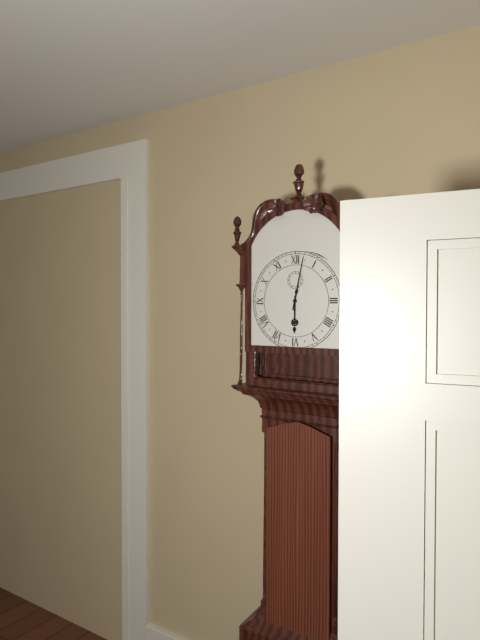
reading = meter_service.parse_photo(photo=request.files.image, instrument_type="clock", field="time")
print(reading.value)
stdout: 6:02
